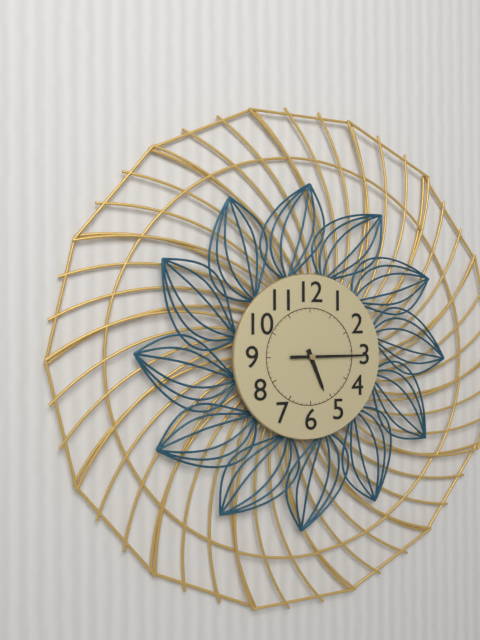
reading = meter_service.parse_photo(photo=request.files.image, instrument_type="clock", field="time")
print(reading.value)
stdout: 5:15
